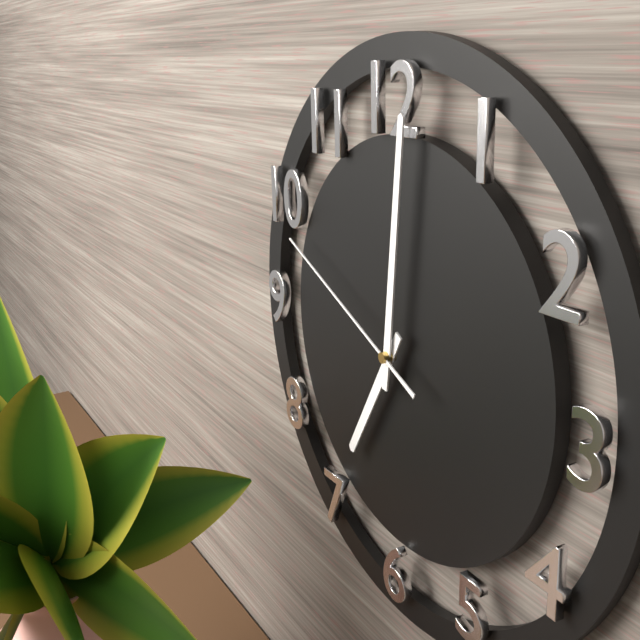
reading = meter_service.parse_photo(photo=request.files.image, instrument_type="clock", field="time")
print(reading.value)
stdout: 7:01:49
